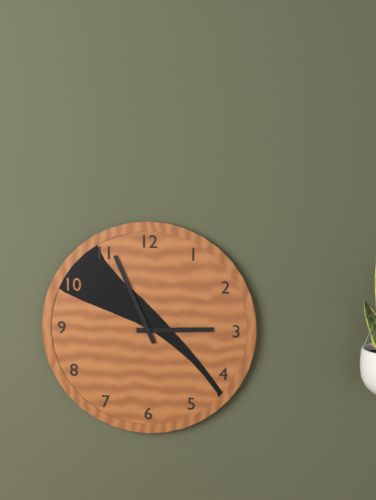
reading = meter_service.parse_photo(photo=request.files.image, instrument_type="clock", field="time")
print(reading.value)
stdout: 2:56
